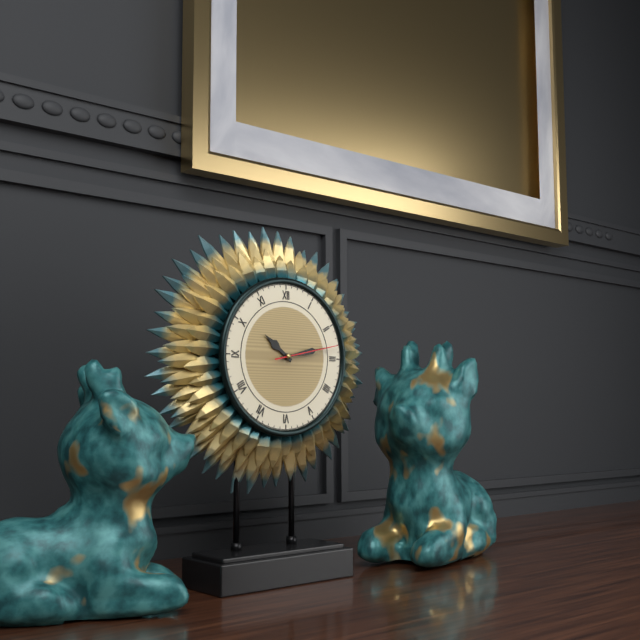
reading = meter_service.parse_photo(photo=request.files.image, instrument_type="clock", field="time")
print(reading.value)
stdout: 10:13:13
